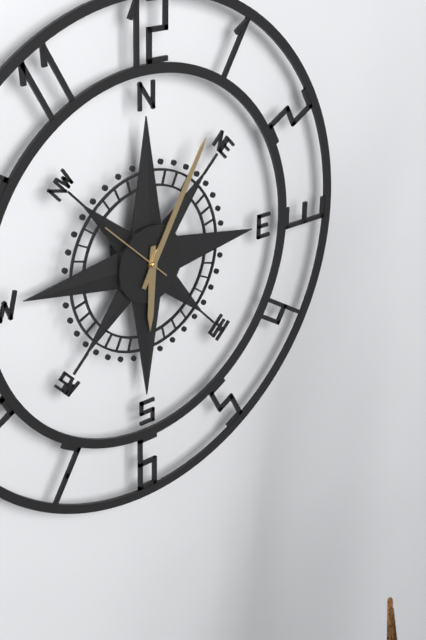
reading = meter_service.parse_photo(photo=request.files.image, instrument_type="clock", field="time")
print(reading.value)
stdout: 6:05:52
